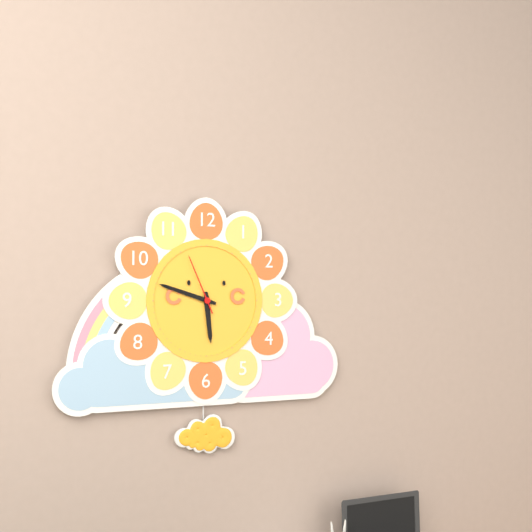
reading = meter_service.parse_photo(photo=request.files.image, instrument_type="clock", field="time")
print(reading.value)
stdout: 5:48:56
